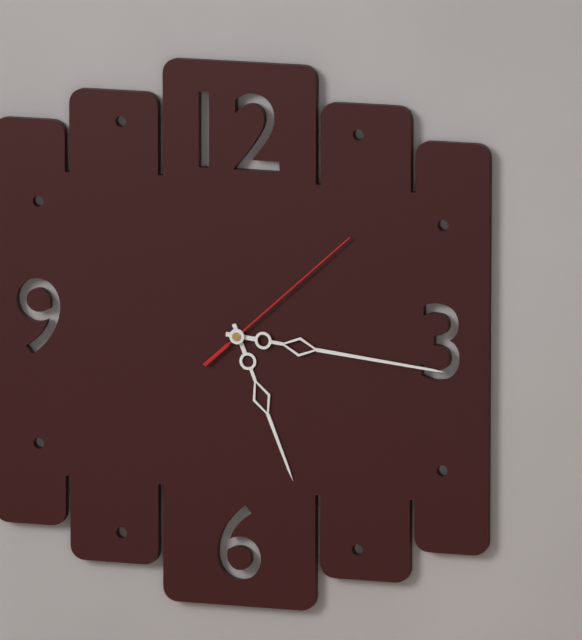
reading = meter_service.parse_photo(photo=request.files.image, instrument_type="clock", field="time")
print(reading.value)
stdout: 5:16:08
